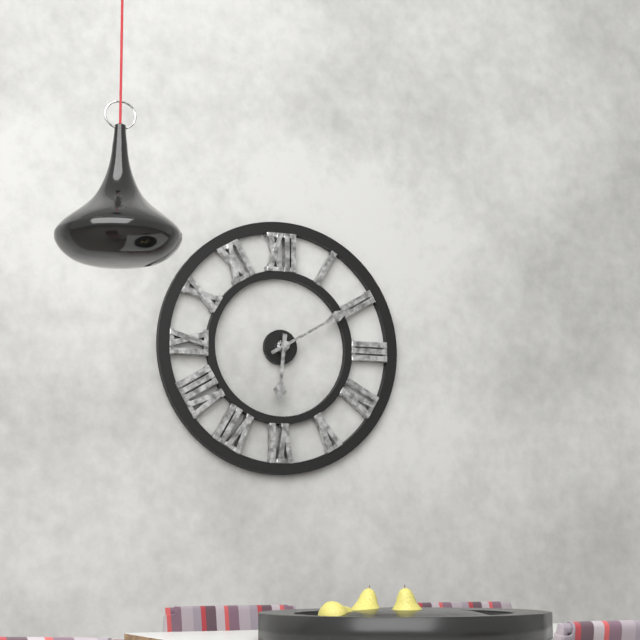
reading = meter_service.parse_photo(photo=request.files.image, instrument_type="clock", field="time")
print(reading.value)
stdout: 6:10
